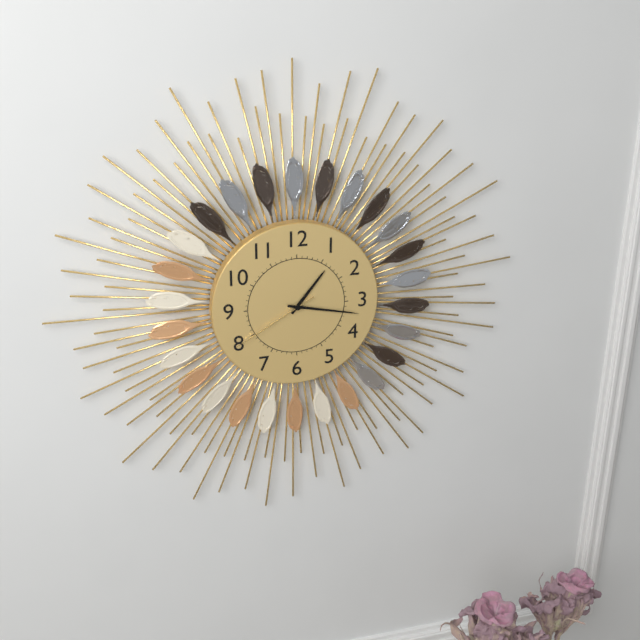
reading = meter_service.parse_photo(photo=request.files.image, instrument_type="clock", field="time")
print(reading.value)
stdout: 1:17:40
